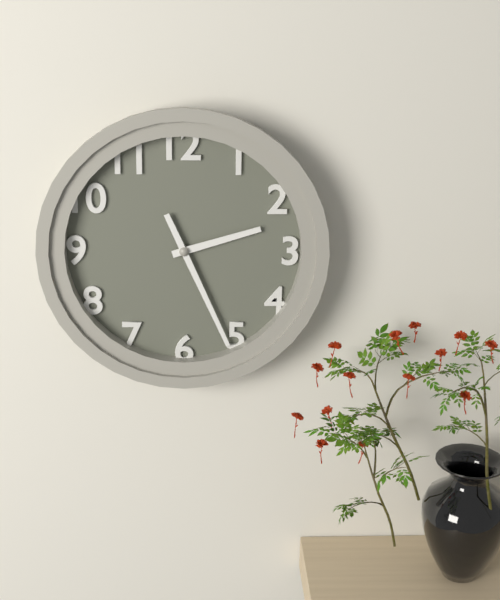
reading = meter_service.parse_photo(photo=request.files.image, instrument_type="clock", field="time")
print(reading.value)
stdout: 2:26
